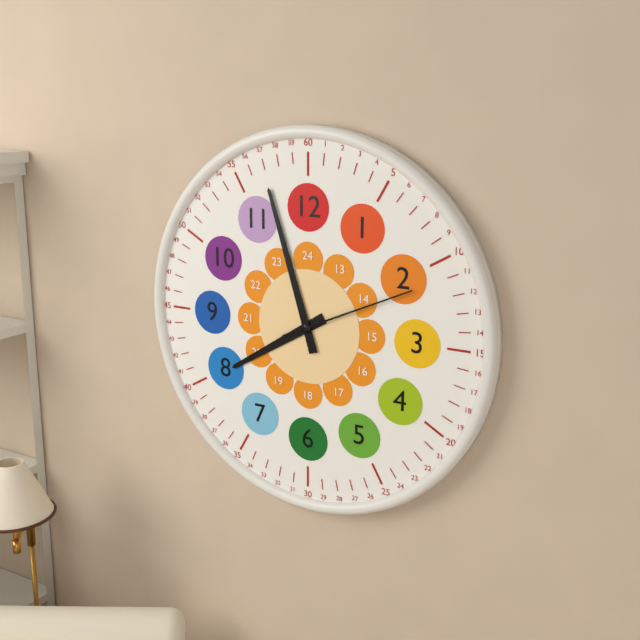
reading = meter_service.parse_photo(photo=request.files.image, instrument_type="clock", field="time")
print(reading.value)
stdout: 7:57:11
